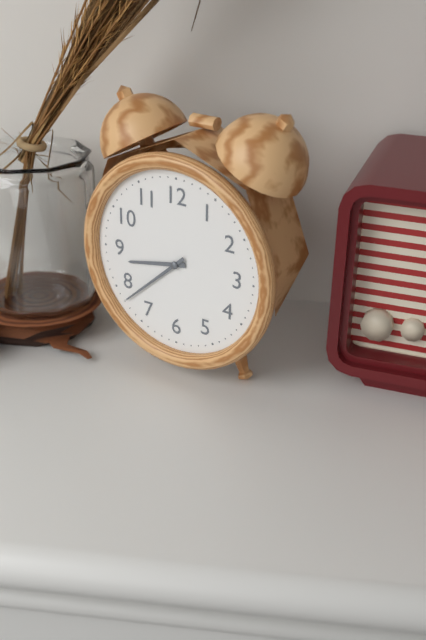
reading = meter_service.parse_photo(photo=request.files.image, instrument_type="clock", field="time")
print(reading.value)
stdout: 8:38
